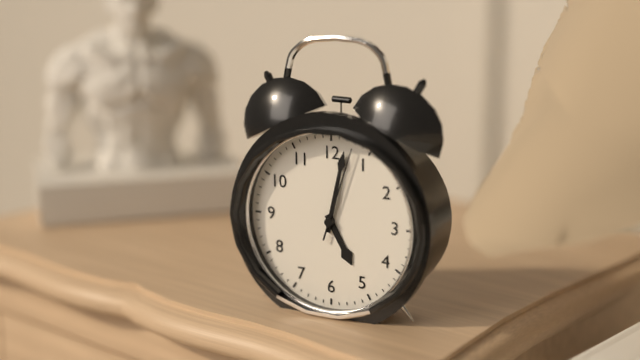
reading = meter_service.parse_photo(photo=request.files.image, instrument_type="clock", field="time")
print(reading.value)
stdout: 5:02:03
